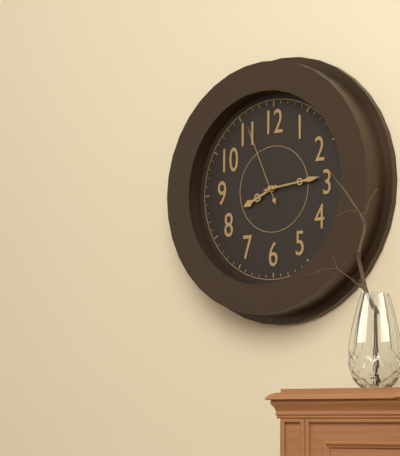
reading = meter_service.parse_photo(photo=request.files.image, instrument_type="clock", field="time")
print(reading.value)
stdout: 8:14:56
